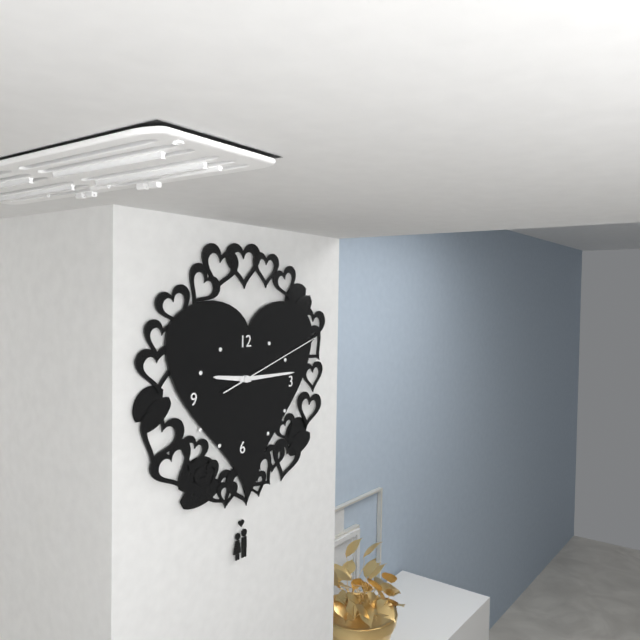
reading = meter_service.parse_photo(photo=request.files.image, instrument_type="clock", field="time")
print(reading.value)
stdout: 9:15:12
